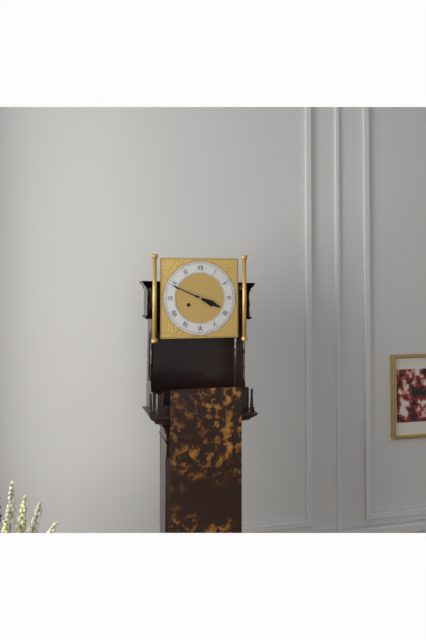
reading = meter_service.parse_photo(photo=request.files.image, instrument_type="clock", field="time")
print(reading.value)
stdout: 3:49
